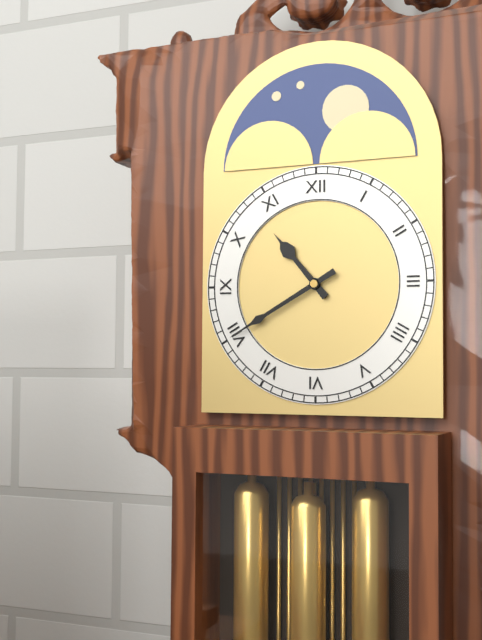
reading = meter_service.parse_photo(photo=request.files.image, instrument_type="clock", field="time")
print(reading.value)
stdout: 10:40
